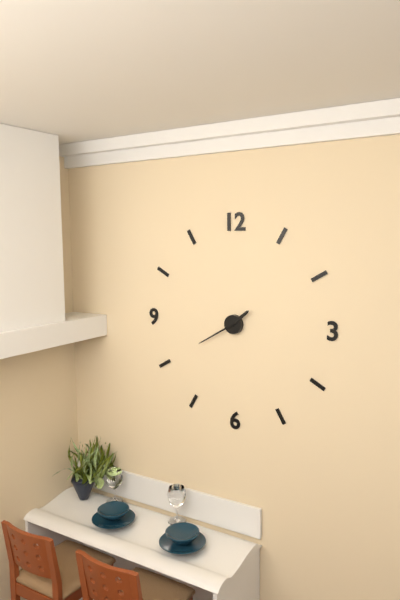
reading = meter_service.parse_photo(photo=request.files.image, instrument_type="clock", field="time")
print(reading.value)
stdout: 1:40
